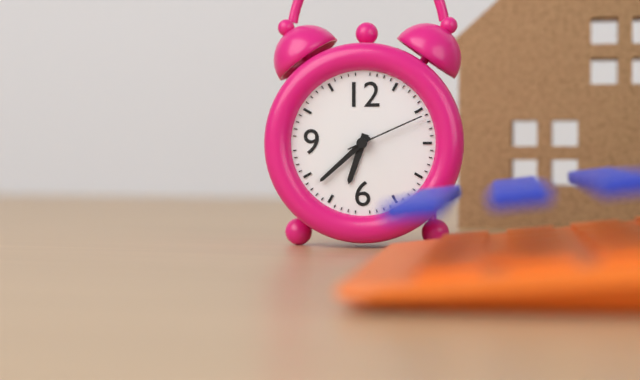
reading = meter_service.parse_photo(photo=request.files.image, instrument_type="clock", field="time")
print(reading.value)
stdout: 6:38:11
